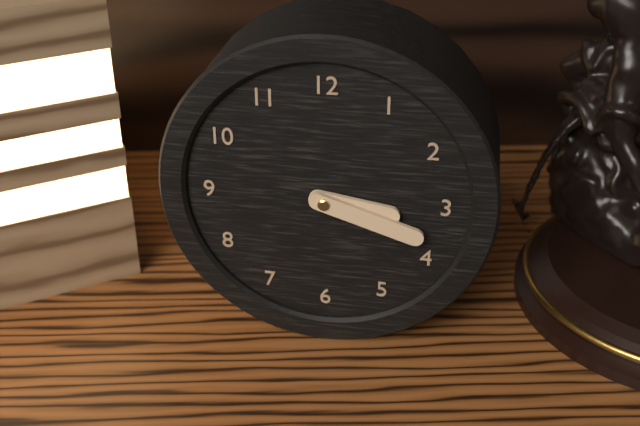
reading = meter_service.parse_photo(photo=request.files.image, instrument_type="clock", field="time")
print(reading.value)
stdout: 3:18
